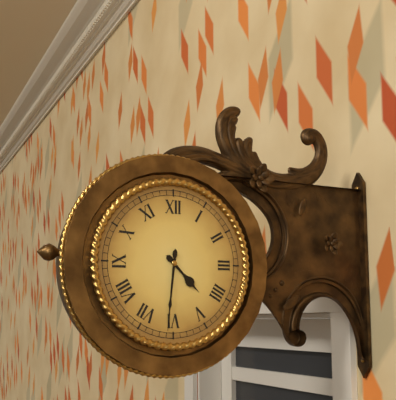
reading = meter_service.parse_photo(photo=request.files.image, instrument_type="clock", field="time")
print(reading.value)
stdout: 4:31
